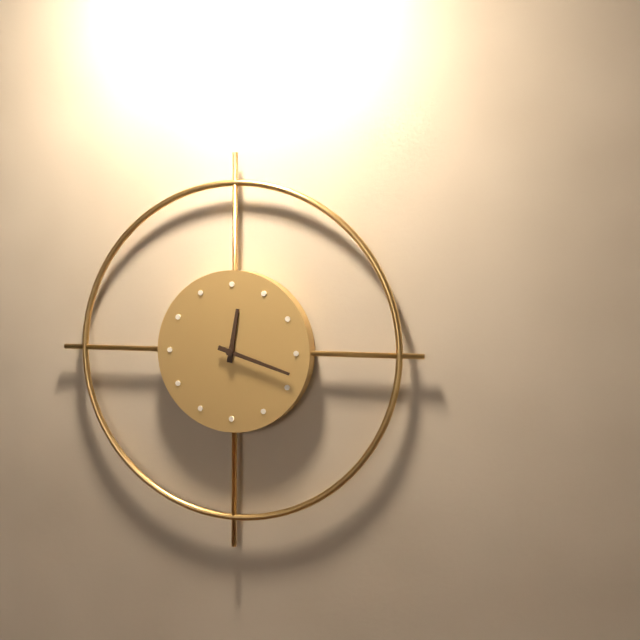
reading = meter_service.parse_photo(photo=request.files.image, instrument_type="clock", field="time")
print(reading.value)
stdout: 12:18
